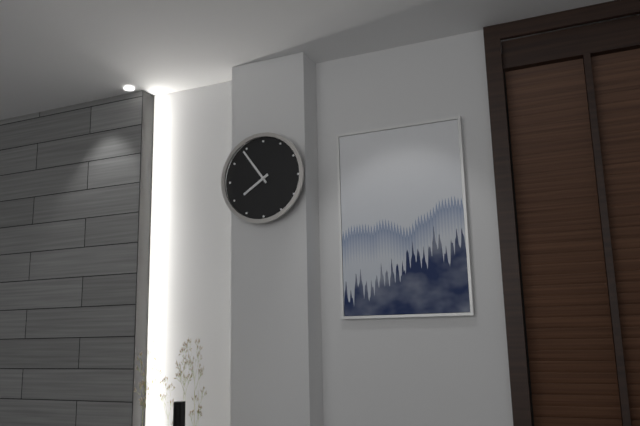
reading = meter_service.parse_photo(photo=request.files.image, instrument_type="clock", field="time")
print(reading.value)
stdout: 7:54
